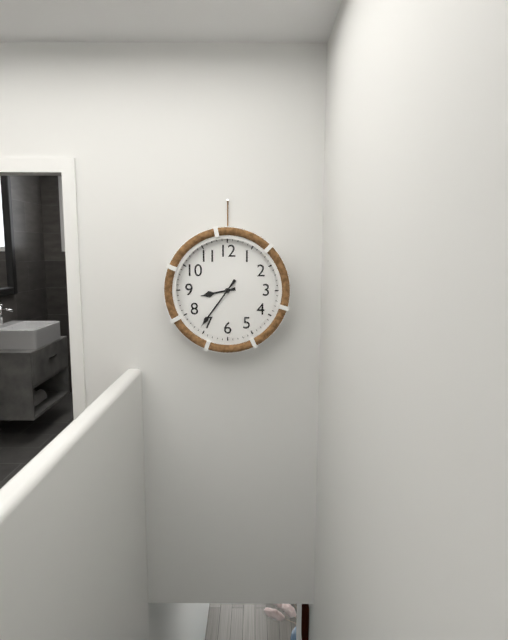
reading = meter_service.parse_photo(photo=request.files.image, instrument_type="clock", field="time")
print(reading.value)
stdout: 8:36
